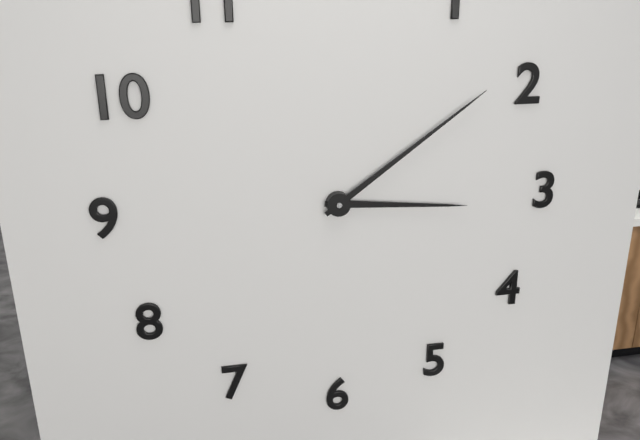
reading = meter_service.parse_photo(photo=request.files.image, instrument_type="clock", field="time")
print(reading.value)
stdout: 3:09
